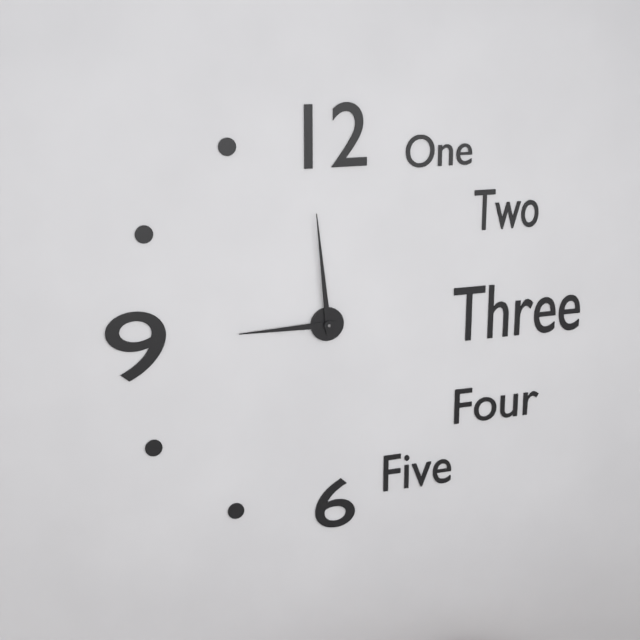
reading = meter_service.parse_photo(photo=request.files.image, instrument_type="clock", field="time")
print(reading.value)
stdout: 8:59
